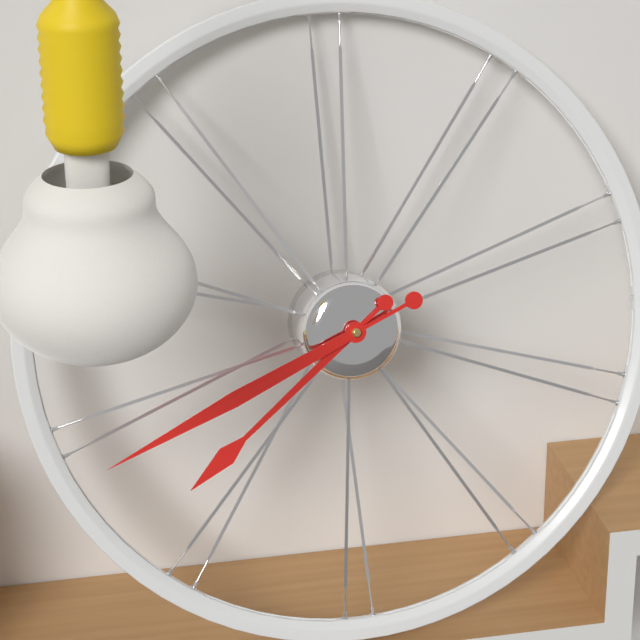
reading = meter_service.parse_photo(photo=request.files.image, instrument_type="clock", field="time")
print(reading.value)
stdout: 7:41
